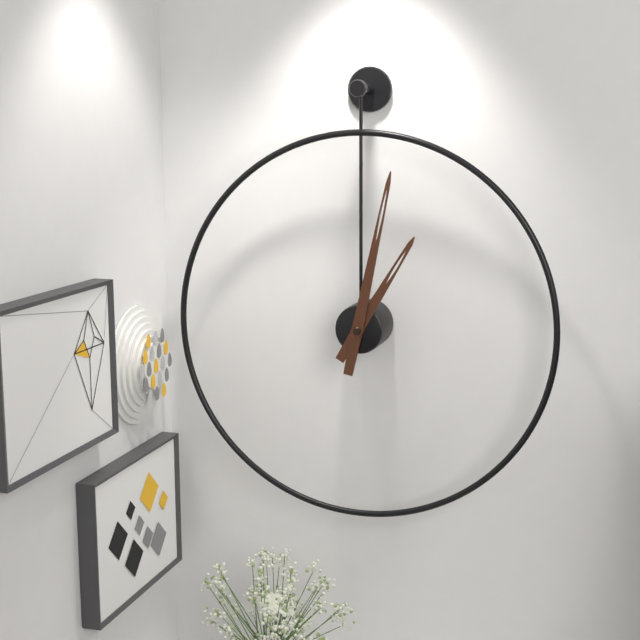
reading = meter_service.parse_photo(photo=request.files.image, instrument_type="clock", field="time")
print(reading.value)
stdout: 1:02
